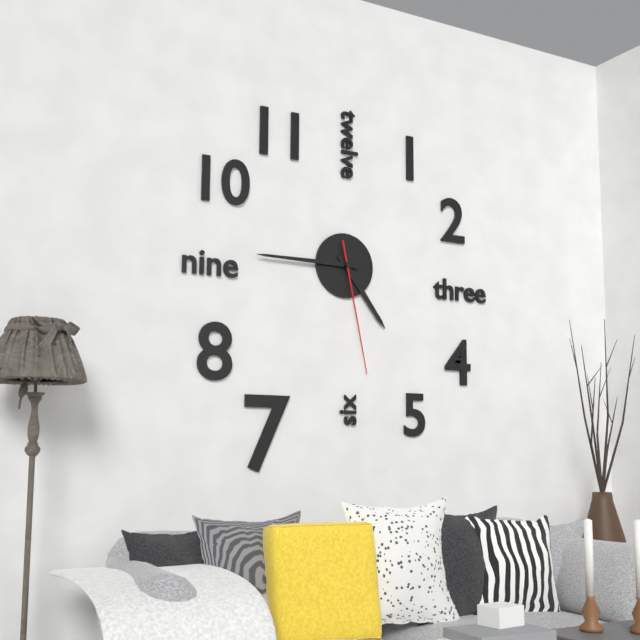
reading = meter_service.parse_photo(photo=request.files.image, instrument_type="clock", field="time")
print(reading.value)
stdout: 4:45:28
